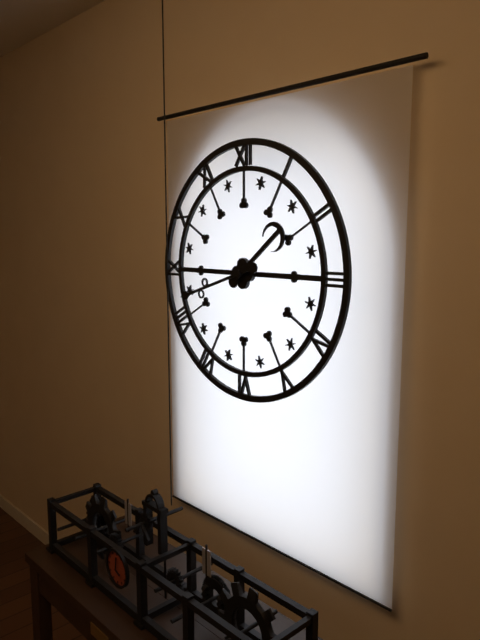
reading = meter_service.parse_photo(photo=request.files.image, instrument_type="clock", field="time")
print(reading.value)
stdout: 1:42
